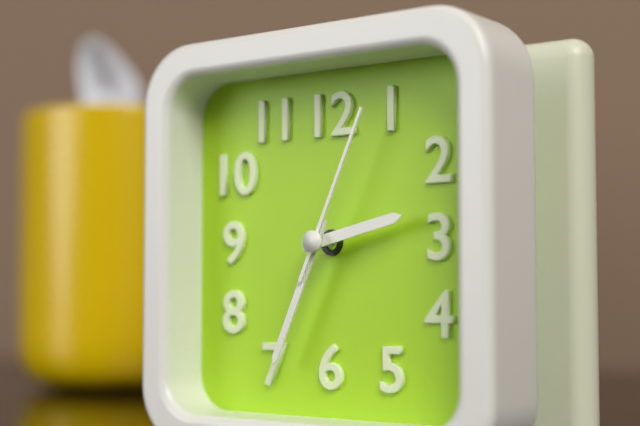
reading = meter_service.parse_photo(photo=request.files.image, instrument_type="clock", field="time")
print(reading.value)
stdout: 2:34:04
